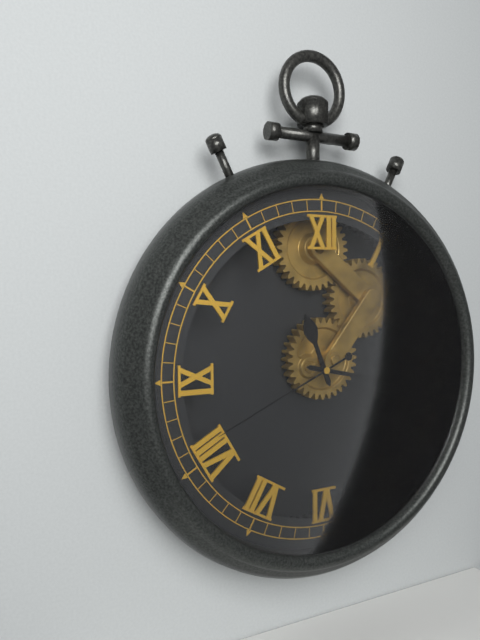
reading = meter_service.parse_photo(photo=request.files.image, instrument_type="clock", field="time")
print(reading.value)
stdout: 11:17:41
